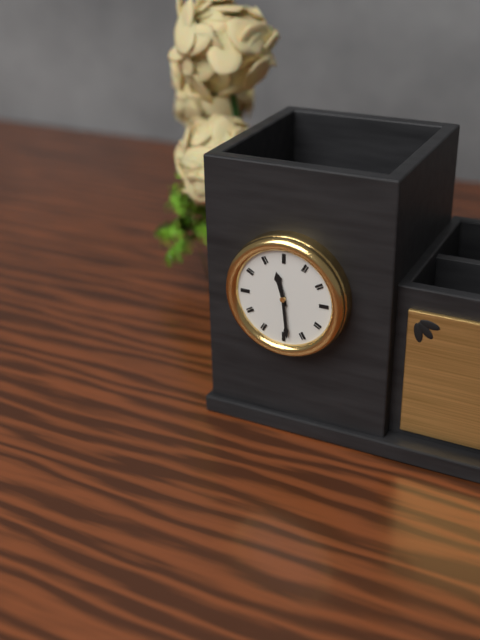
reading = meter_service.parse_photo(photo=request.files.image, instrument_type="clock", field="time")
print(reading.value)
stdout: 11:29
